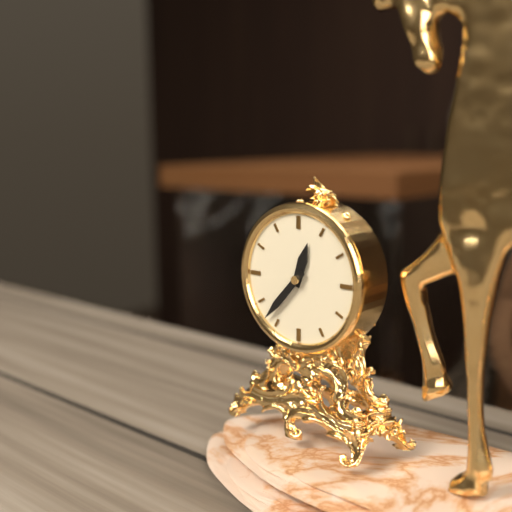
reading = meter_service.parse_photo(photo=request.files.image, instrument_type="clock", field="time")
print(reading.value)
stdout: 12:37
